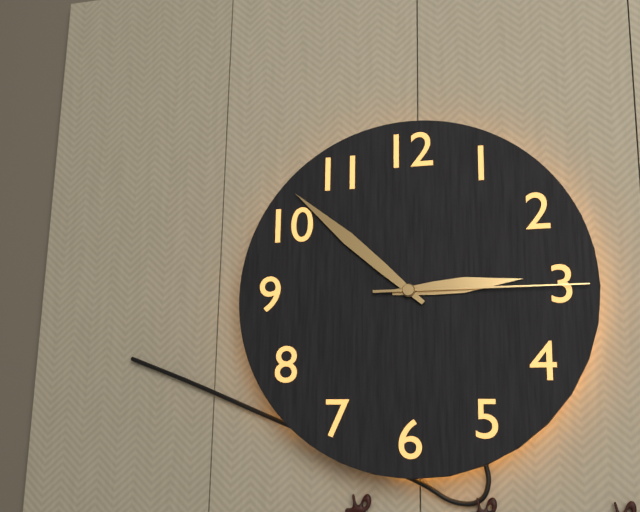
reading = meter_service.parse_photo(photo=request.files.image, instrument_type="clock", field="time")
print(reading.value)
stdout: 2:52:15
